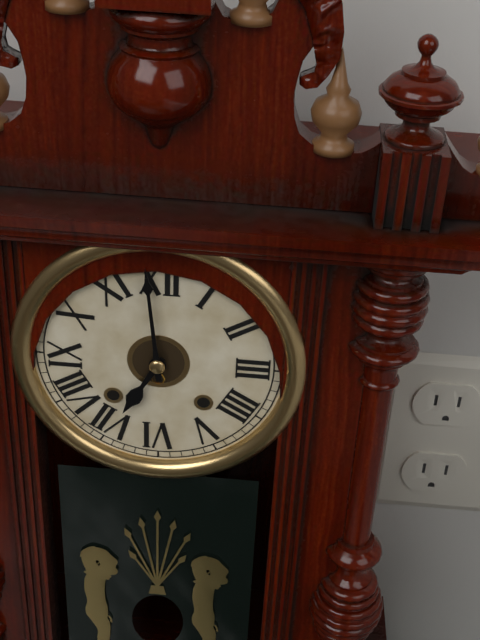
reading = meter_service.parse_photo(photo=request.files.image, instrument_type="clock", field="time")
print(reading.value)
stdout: 6:59
